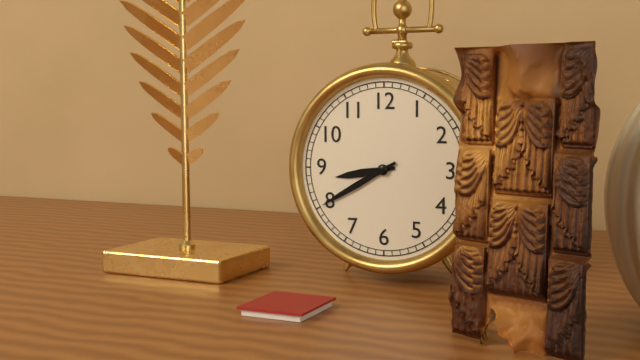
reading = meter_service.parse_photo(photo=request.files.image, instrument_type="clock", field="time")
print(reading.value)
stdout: 8:40
